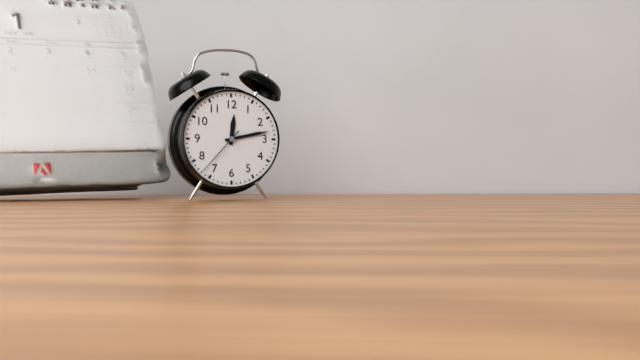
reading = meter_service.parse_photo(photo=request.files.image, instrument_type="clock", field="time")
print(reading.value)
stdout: 12:13:37
